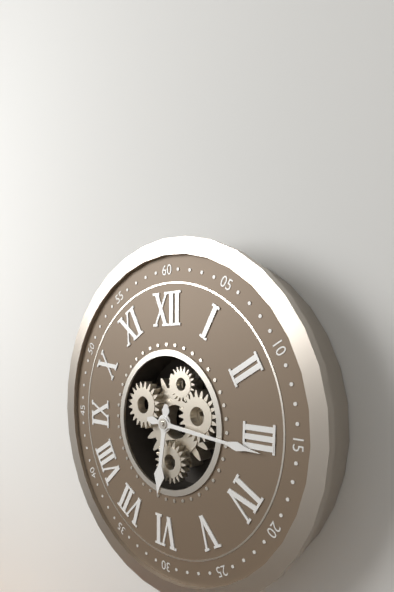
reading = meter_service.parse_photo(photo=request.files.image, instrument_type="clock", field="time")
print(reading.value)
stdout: 6:16
